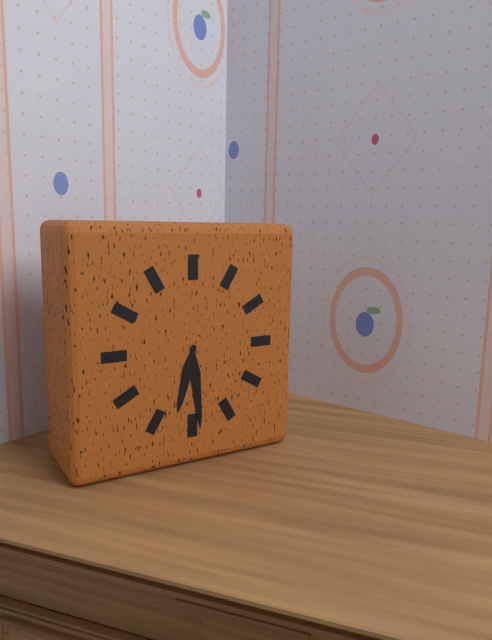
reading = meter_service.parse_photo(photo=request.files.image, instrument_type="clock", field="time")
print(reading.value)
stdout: 6:29
